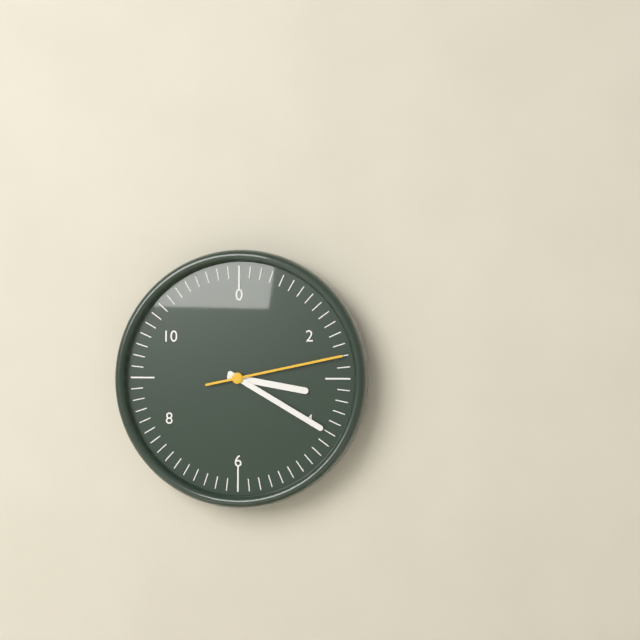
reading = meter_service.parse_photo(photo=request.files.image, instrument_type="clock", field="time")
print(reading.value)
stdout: 3:20:13
